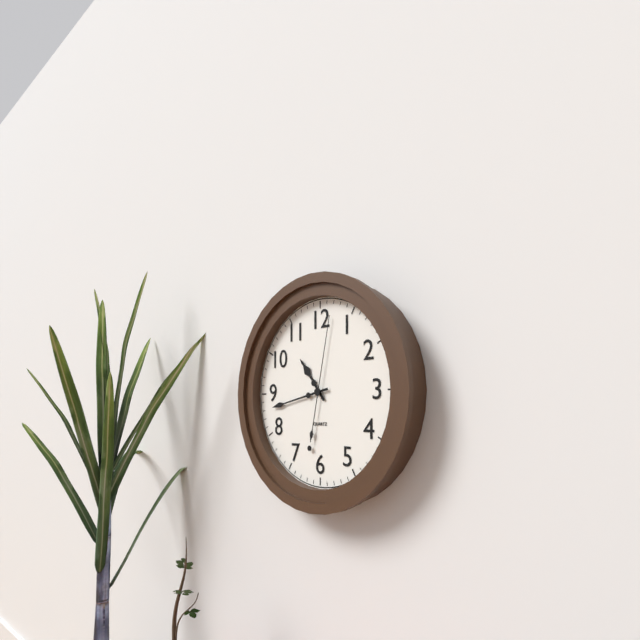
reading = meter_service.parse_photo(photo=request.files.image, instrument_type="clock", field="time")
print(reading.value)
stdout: 10:43:02
